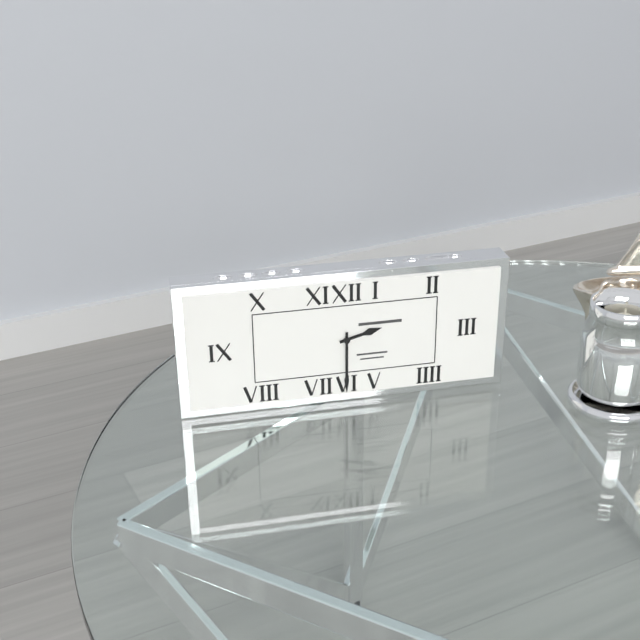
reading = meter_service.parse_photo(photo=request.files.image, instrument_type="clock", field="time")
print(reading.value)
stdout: 2:30
